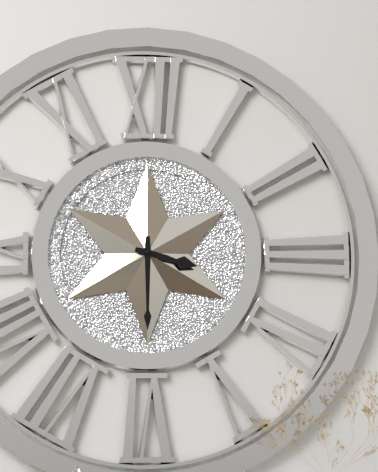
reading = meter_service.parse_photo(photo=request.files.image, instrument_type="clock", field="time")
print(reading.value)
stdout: 3:30
